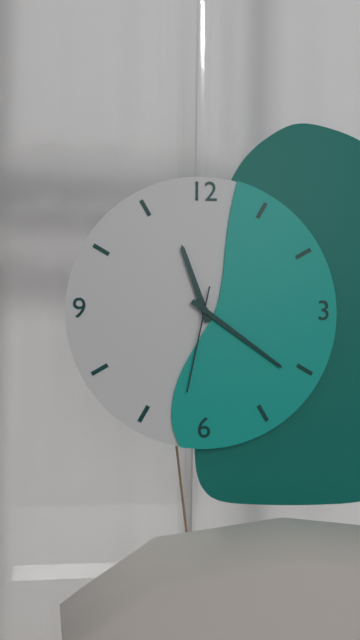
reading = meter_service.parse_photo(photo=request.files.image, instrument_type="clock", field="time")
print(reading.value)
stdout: 11:21:32
